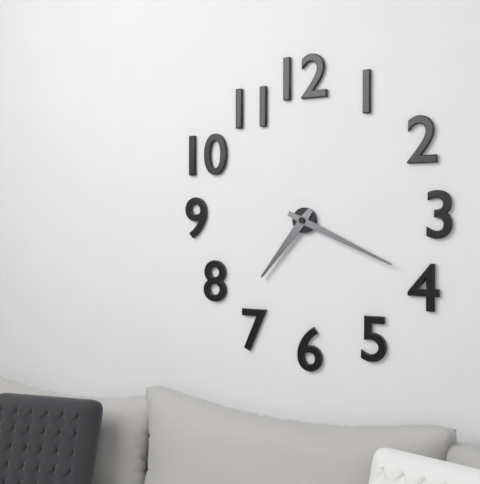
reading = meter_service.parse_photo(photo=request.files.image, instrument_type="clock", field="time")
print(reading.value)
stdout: 7:19
